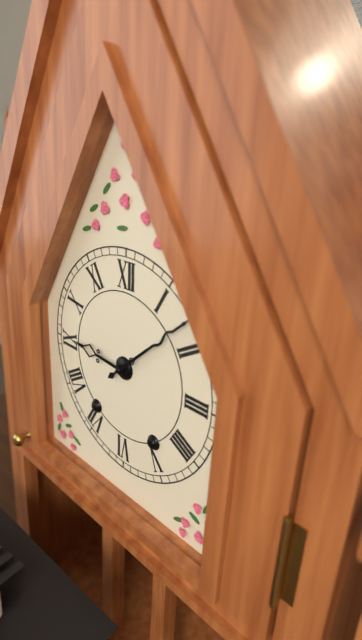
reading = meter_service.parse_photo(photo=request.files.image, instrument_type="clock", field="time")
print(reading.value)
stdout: 9:08
